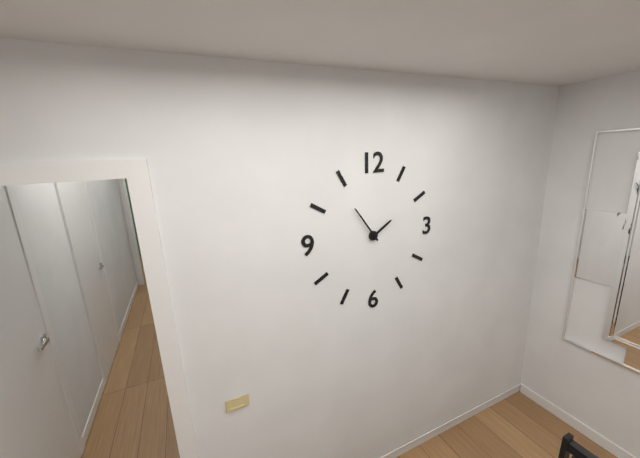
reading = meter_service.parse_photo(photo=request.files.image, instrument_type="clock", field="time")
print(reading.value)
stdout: 1:54
